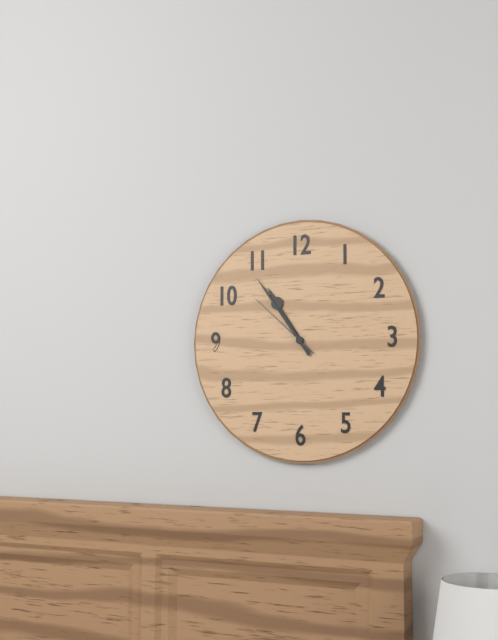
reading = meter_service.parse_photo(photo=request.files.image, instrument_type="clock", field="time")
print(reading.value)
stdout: 10:54:52
